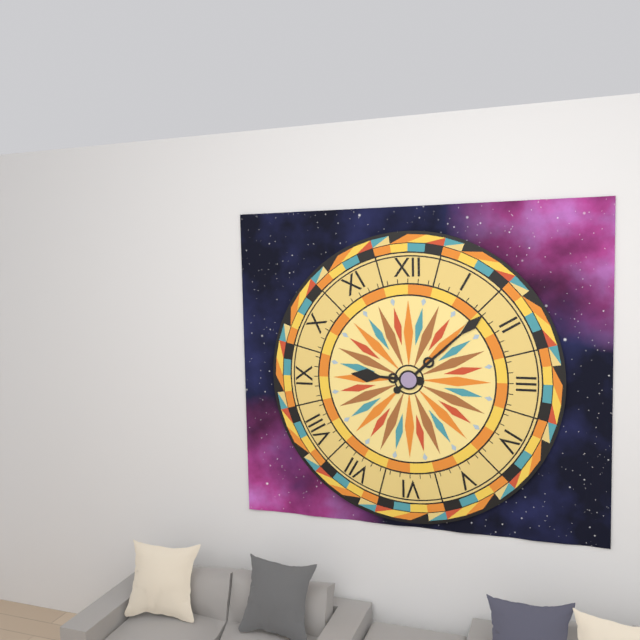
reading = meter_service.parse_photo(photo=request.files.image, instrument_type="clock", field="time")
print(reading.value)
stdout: 9:08
